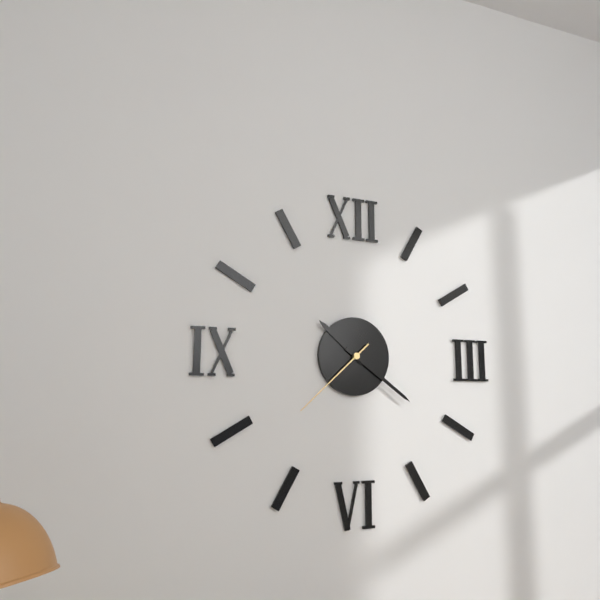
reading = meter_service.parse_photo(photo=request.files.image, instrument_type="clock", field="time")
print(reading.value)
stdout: 10:21:38
